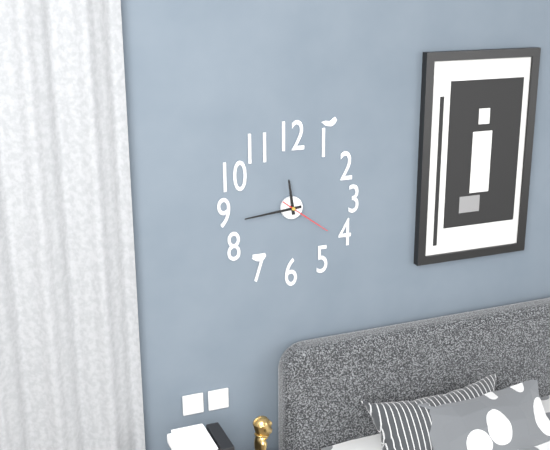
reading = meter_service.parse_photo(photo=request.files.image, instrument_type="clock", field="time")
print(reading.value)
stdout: 11:44:21
